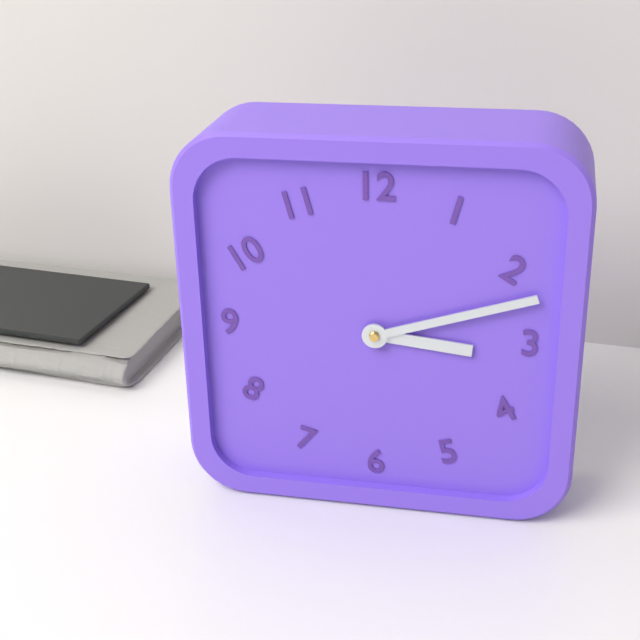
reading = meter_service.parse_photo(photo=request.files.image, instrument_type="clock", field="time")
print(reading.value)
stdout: 3:12
